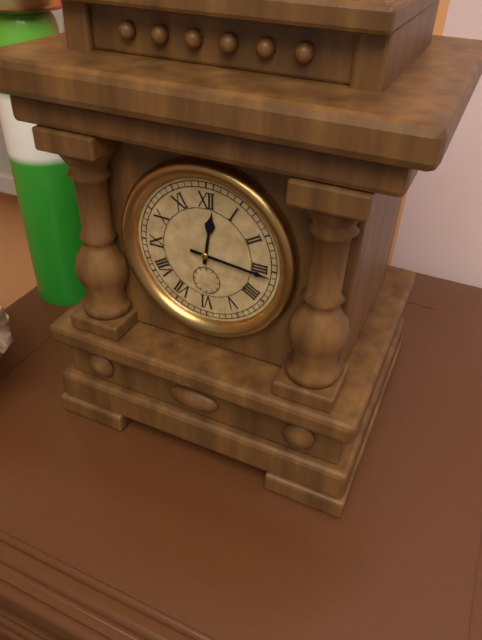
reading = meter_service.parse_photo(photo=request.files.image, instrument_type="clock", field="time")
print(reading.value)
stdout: 12:16
